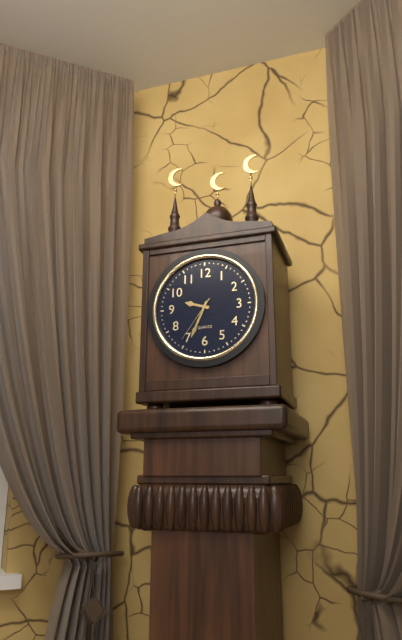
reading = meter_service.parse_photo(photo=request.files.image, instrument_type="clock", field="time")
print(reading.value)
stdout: 9:34
